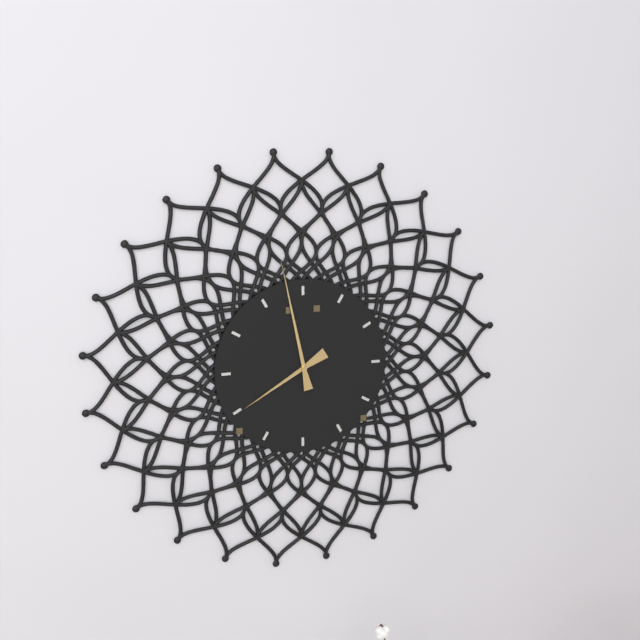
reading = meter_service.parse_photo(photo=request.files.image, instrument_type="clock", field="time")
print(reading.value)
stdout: 7:58
